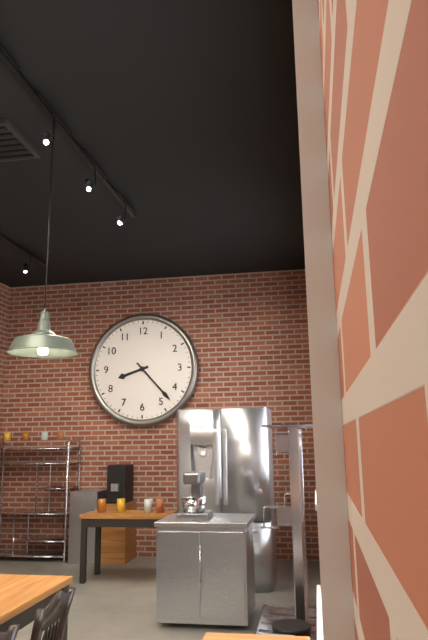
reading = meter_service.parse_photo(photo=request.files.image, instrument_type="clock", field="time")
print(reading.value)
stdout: 8:23
